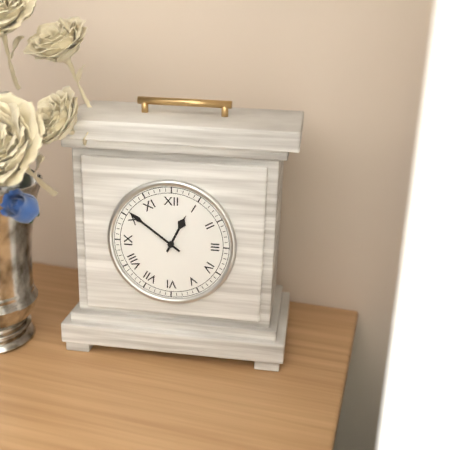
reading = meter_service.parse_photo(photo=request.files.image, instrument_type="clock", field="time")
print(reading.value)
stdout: 12:51
